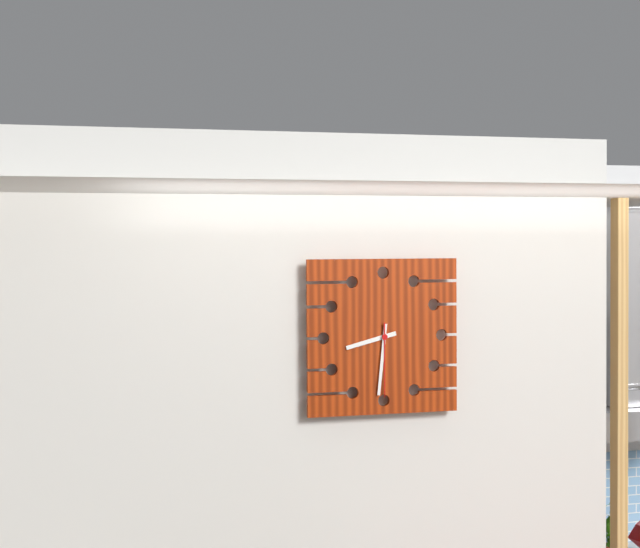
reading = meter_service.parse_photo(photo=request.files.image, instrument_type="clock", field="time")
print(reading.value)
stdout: 8:31:30
